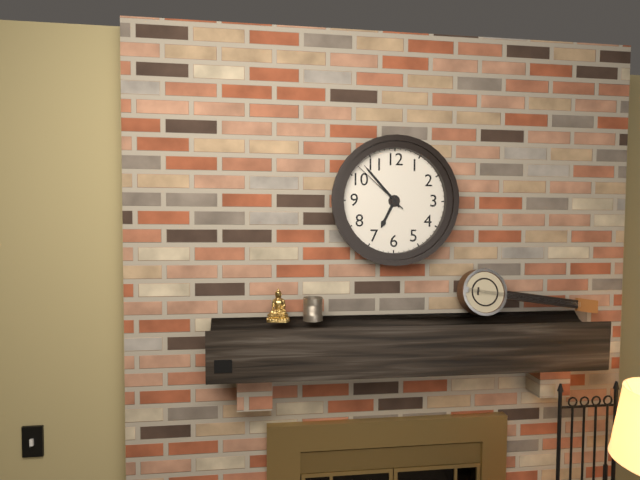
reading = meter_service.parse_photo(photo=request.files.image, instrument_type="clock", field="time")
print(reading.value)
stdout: 6:53:52
